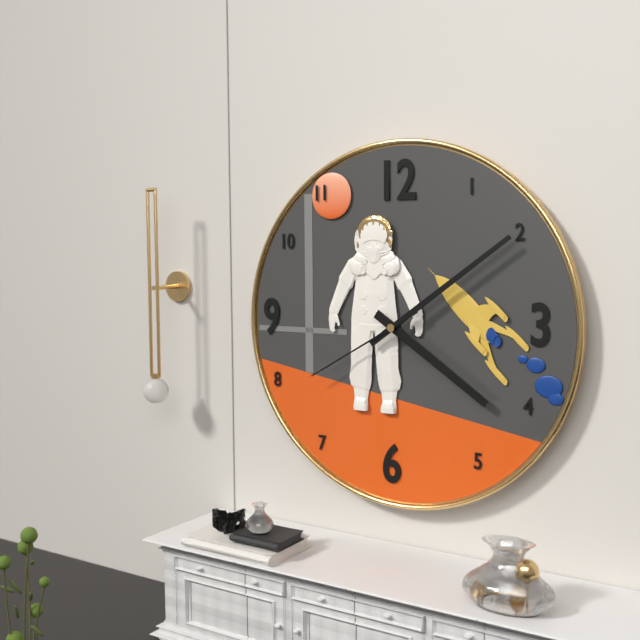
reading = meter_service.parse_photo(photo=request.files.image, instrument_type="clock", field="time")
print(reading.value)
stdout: 4:09:40
